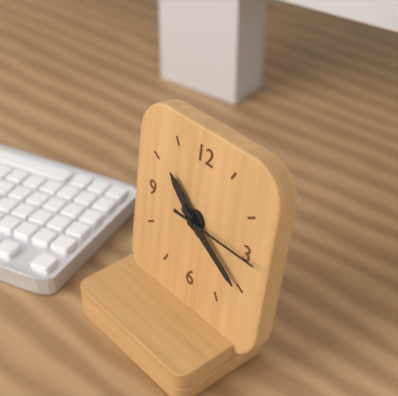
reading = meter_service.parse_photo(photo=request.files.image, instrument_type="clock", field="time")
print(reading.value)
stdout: 10:20:15
